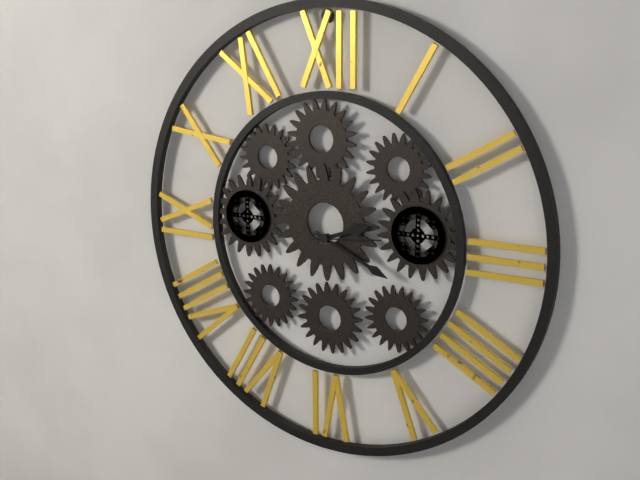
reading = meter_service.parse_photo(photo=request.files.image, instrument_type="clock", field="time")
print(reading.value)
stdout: 2:19:14
